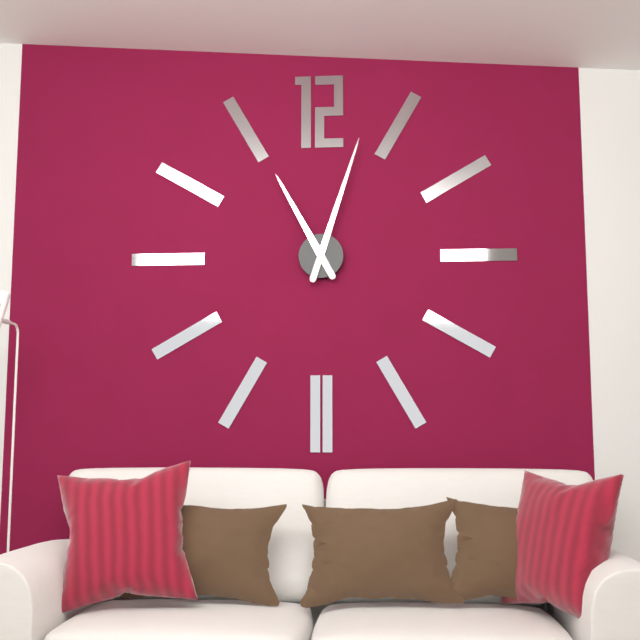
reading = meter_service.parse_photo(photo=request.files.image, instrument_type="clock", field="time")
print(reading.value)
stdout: 11:03
